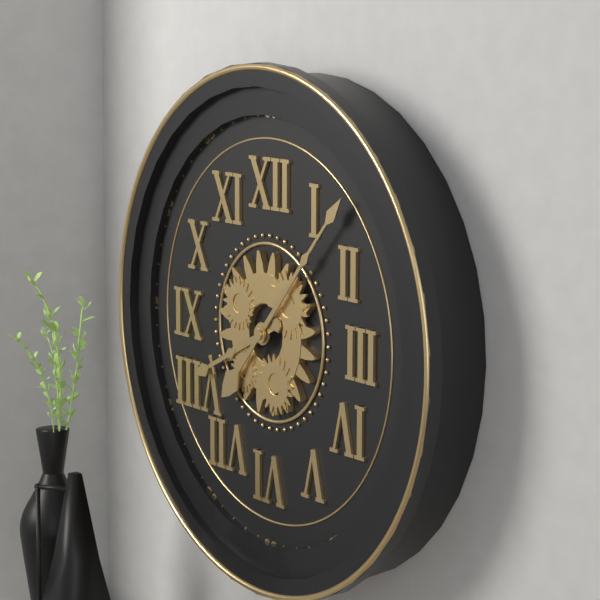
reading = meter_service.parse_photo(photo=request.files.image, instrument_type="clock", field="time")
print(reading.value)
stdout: 8:07
